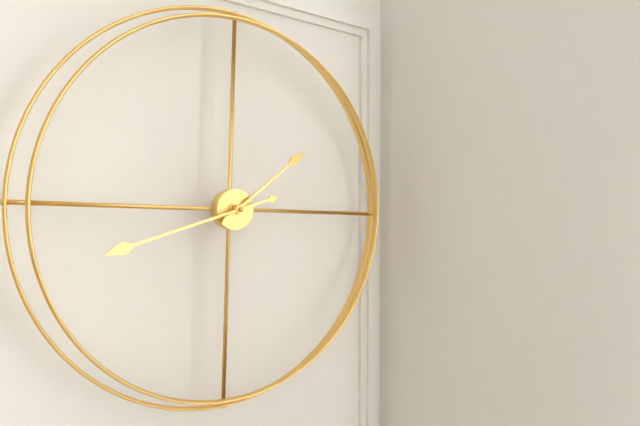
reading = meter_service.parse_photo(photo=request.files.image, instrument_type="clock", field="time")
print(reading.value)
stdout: 1:42
